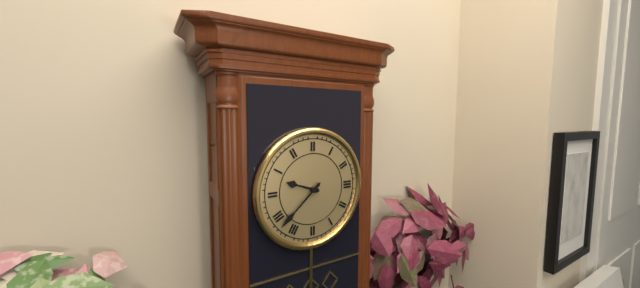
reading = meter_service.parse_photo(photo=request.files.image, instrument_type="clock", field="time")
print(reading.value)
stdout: 9:38
